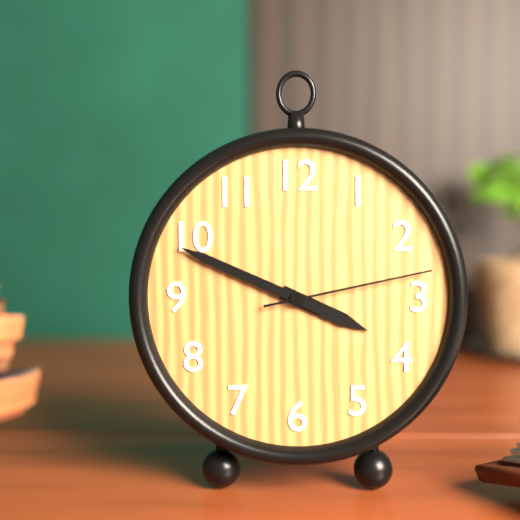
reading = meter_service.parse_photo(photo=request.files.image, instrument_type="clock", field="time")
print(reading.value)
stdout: 3:49:13
